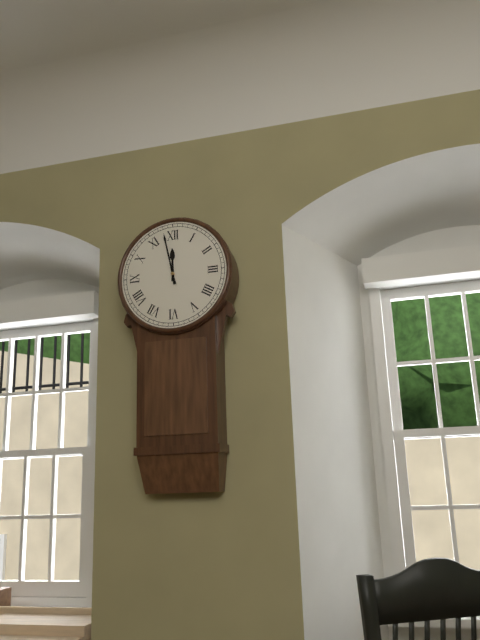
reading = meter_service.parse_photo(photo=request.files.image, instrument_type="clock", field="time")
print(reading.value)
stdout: 11:58
